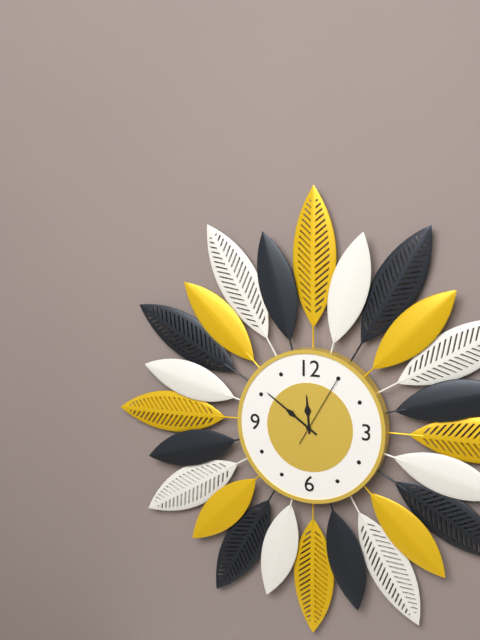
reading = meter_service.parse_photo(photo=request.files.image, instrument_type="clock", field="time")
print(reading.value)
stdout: 11:51:05
